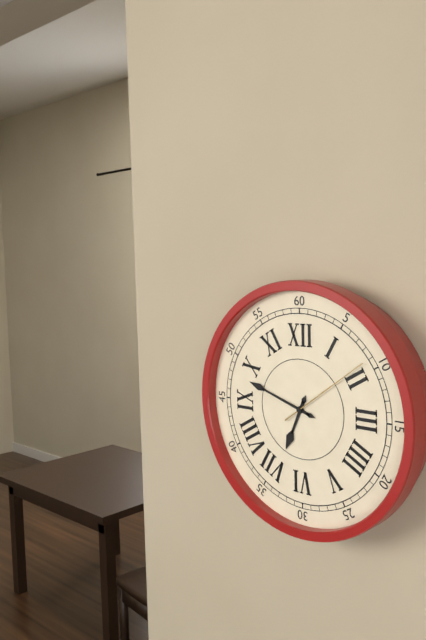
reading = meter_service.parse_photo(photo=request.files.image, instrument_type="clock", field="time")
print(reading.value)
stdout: 6:48:09
